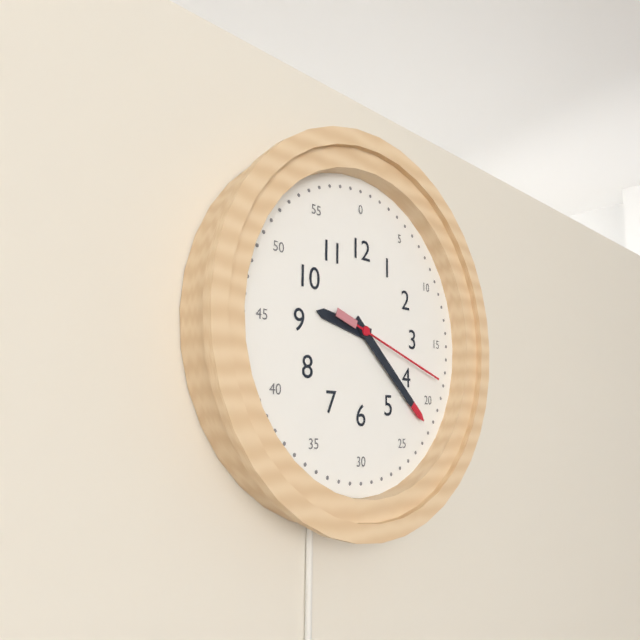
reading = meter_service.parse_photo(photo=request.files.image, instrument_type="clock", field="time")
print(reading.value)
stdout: 9:22:18
